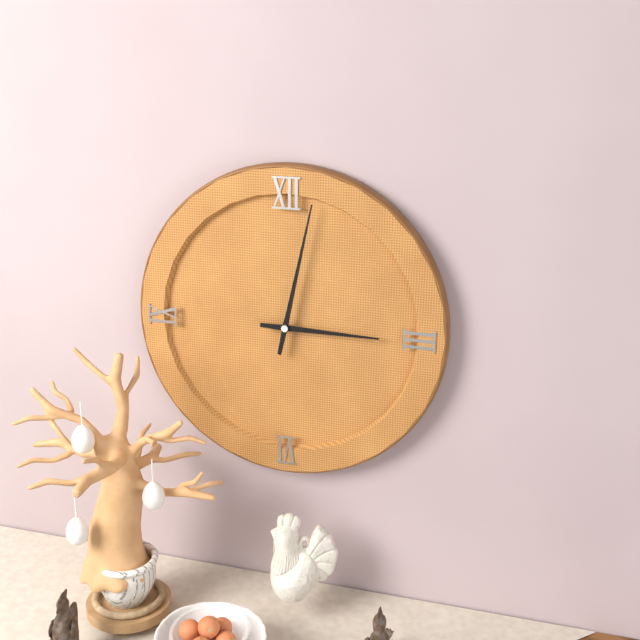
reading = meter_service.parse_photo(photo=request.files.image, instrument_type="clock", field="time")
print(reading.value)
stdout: 3:02
